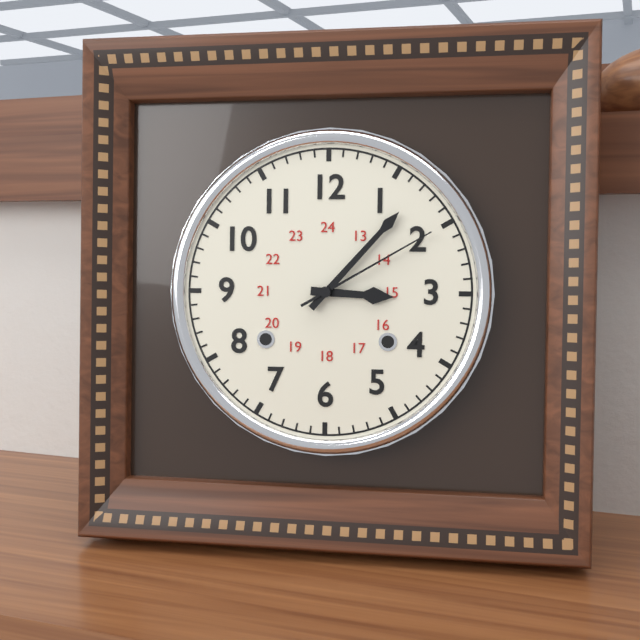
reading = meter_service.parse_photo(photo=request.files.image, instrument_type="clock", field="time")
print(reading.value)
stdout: 3:07:10
